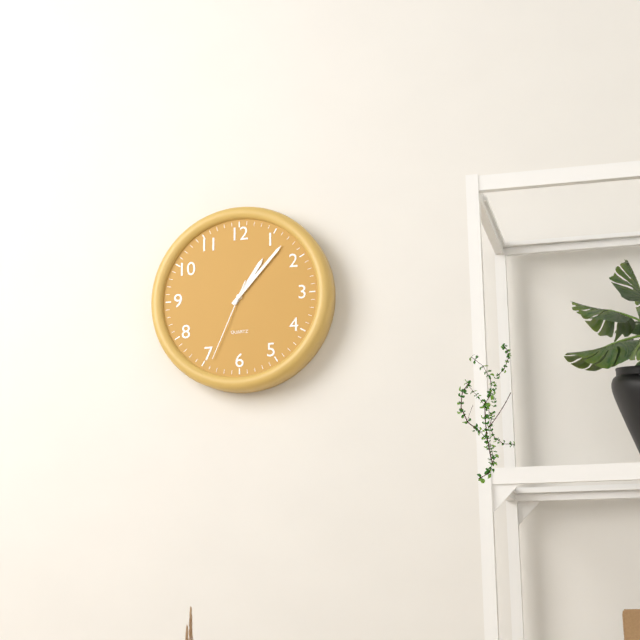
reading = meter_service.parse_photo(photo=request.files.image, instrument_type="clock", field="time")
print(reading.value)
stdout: 1:07:34
